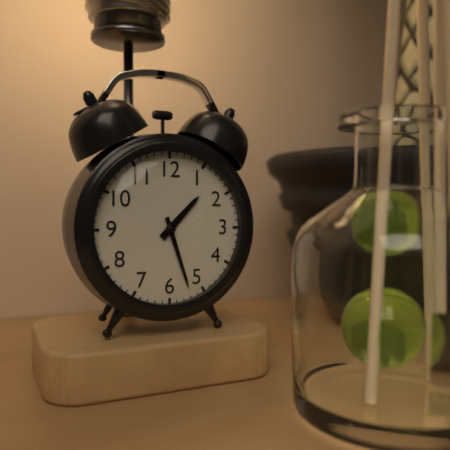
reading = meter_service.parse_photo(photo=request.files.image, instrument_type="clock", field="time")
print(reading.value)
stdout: 1:27
